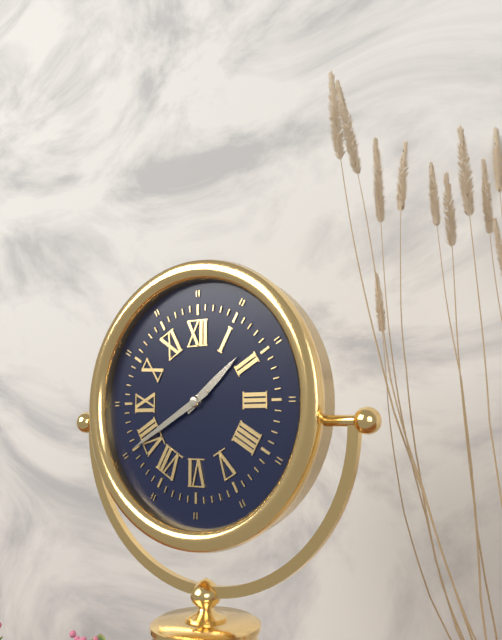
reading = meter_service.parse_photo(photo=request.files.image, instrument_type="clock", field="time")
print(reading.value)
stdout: 1:40
